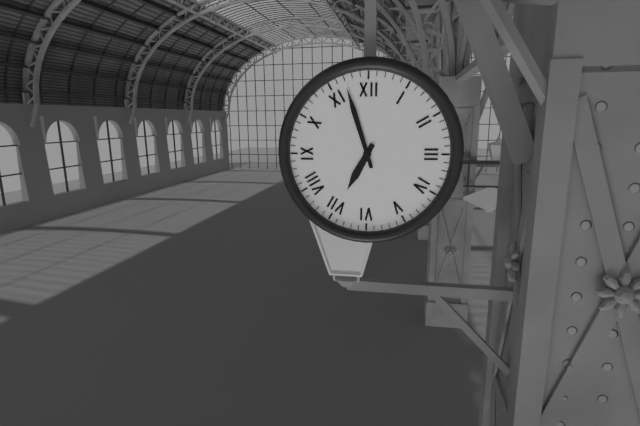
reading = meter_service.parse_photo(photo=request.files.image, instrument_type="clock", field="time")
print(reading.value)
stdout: 6:57
